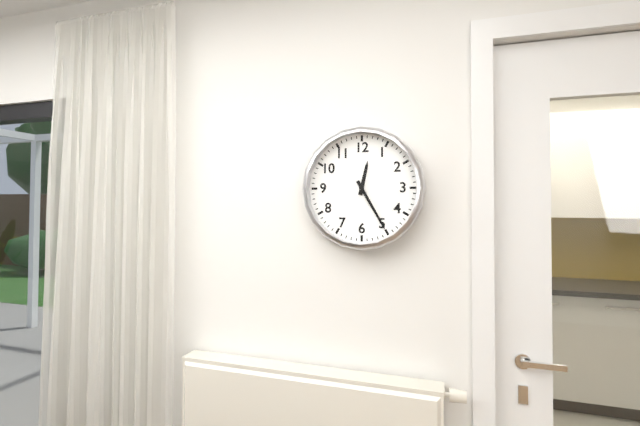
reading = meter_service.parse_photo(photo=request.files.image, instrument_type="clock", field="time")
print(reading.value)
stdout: 12:25
